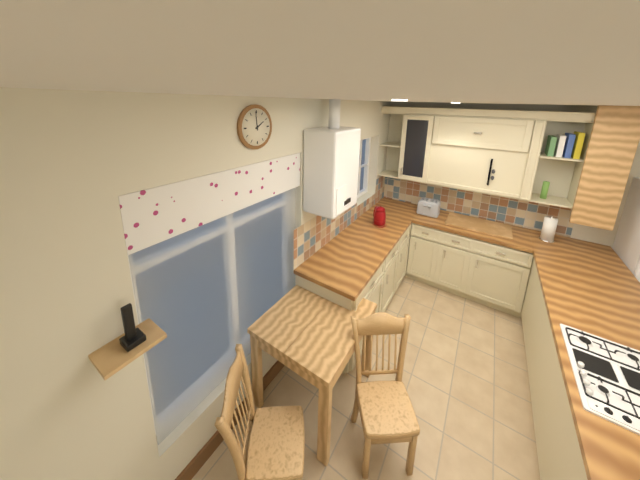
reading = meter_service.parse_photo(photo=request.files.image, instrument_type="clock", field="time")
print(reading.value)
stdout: 1:59
